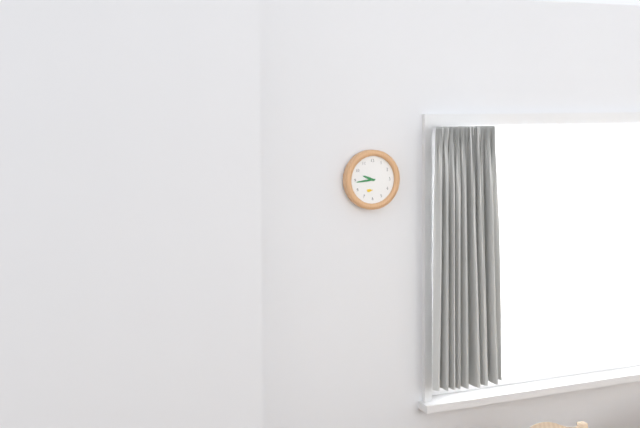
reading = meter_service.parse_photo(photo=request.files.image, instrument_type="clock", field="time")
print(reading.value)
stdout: 9:44
